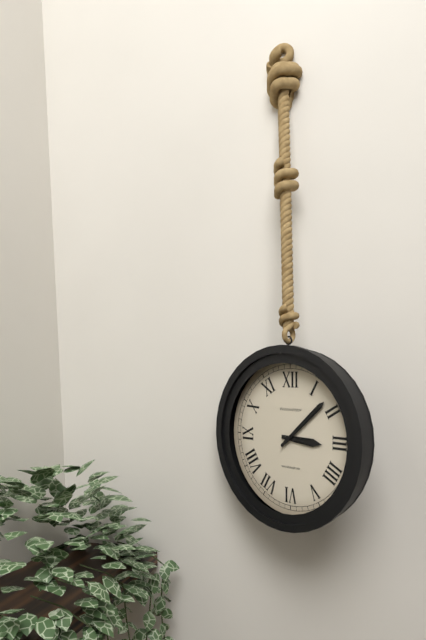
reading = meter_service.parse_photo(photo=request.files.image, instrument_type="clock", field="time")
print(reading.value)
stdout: 3:08
